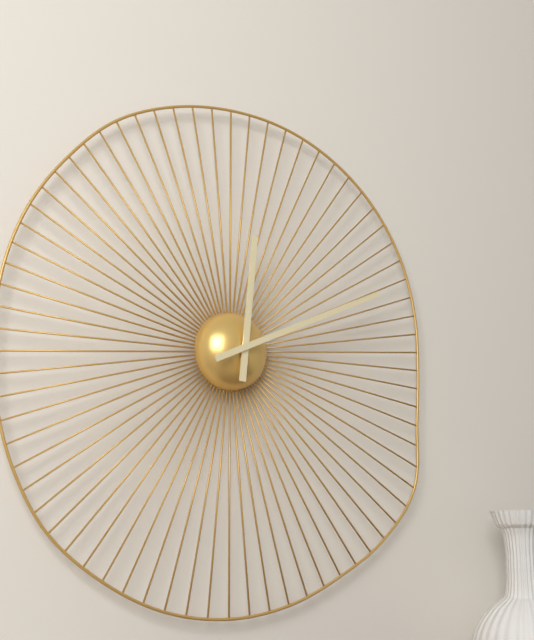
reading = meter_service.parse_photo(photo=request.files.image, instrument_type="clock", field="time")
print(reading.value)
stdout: 12:11
